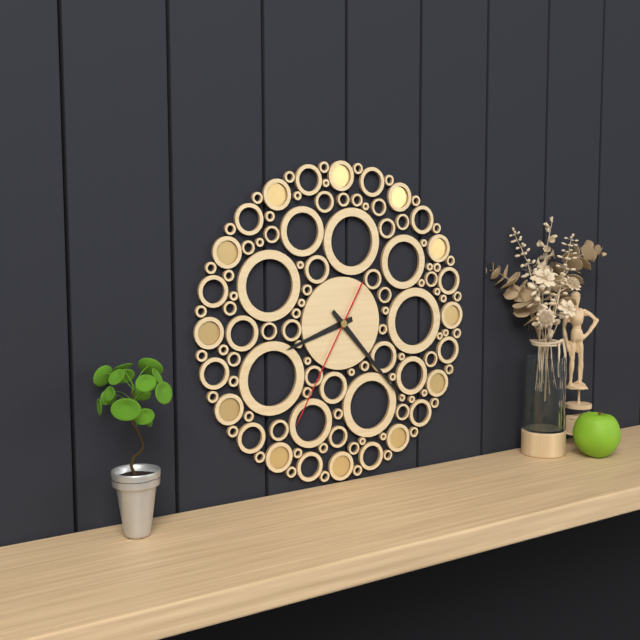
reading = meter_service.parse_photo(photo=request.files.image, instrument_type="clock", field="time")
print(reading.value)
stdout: 8:23:35
